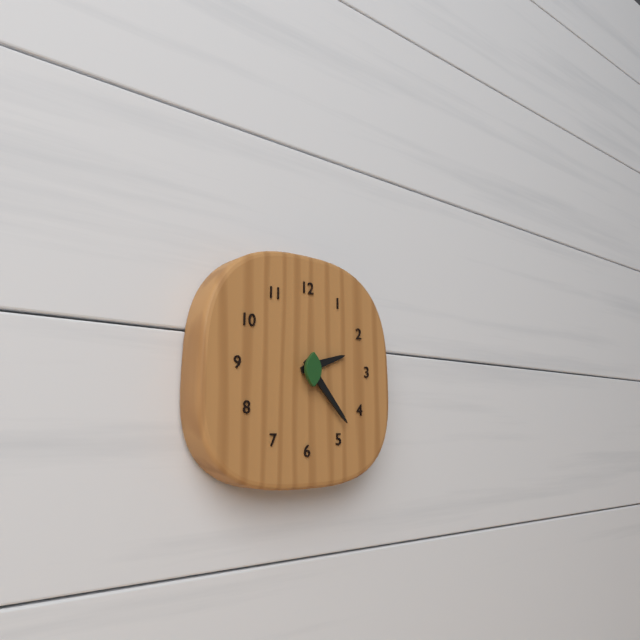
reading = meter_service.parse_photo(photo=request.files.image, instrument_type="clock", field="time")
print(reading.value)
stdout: 2:23
